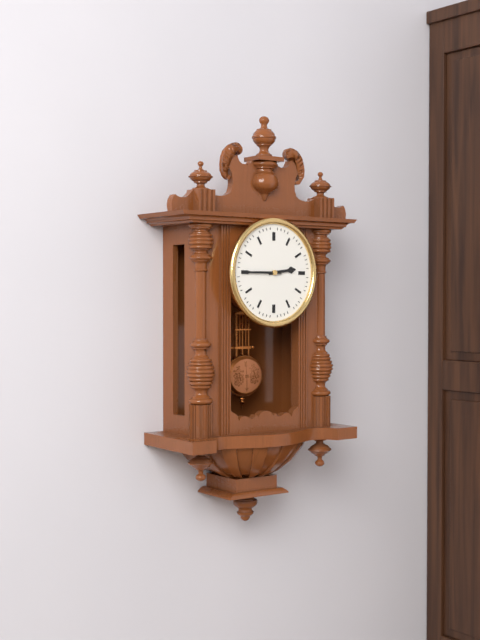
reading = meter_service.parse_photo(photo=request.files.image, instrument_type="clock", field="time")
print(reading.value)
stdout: 2:45
